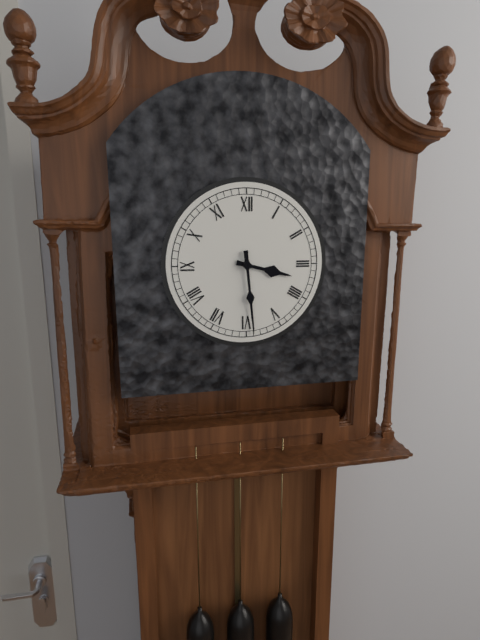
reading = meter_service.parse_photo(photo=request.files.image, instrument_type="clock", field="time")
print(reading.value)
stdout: 3:29
